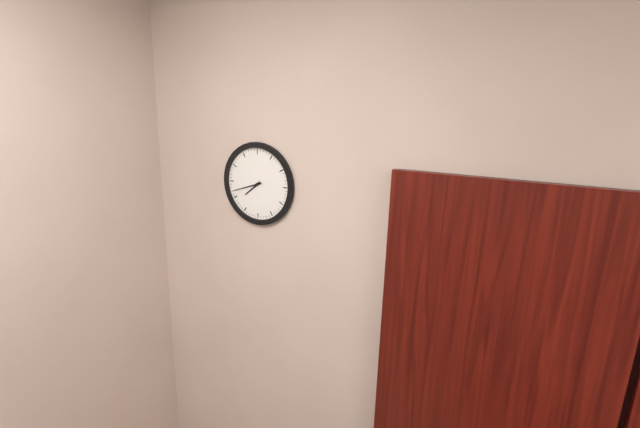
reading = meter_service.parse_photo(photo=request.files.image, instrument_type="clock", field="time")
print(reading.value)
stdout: 7:42
